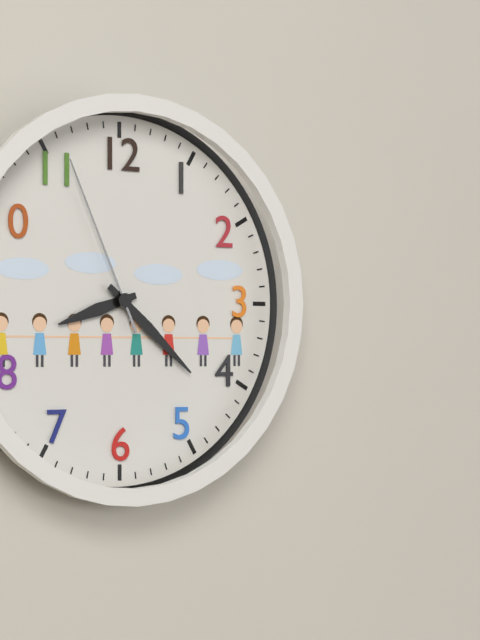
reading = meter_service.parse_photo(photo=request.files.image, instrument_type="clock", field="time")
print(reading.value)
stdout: 8:22:56
